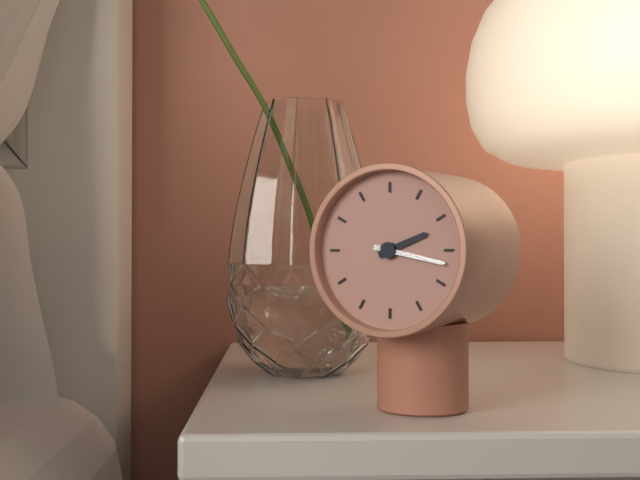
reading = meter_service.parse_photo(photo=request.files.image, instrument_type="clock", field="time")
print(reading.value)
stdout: 2:17
